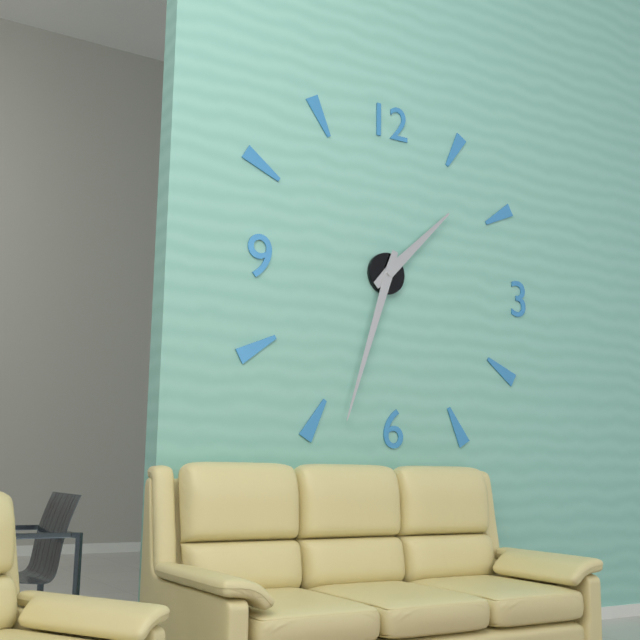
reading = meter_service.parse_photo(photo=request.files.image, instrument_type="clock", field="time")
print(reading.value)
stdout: 1:33
